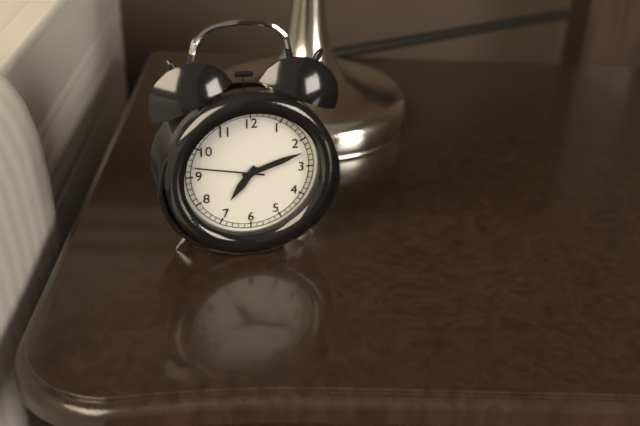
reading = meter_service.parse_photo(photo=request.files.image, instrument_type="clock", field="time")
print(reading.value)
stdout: 7:12:47
